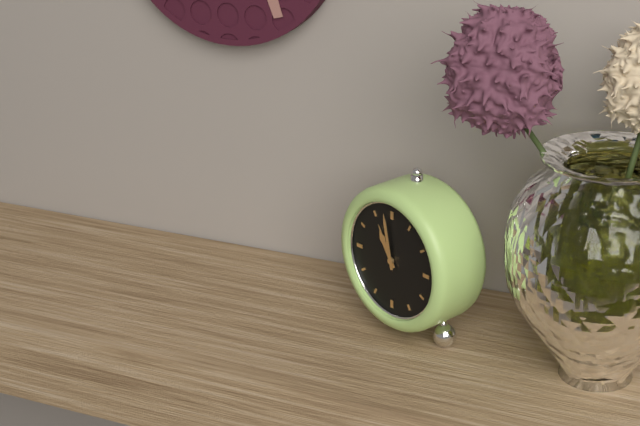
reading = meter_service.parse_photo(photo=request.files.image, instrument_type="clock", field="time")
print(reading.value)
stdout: 10:58
